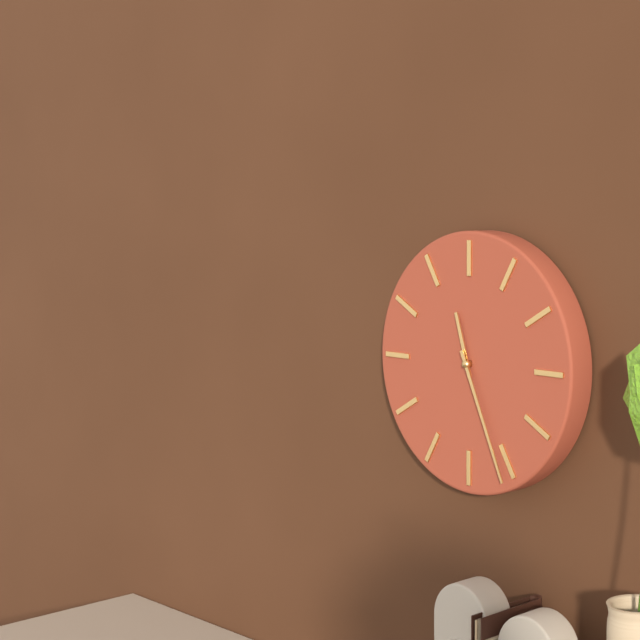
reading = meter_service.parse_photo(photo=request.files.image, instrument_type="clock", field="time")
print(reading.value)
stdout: 11:26
